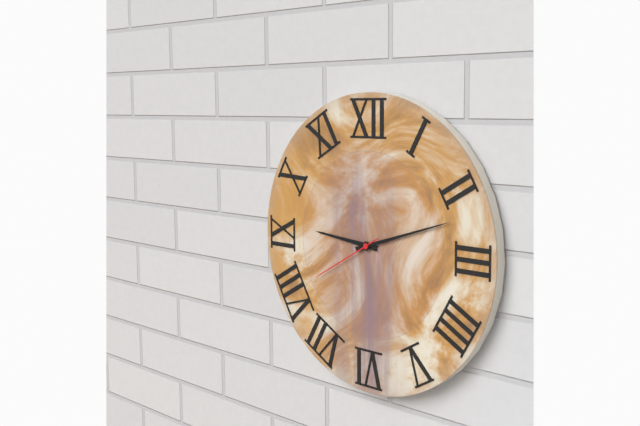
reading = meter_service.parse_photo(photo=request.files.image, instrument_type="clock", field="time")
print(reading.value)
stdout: 9:12:40
